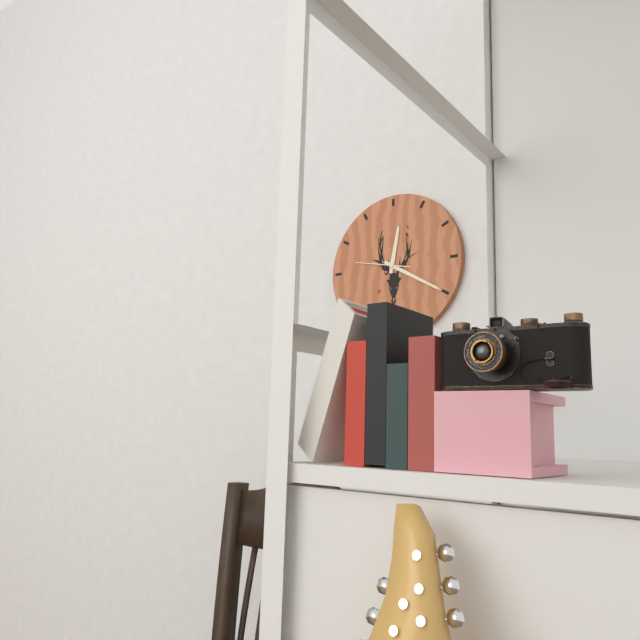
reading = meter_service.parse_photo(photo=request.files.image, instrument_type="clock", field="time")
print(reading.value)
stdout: 12:20:47
